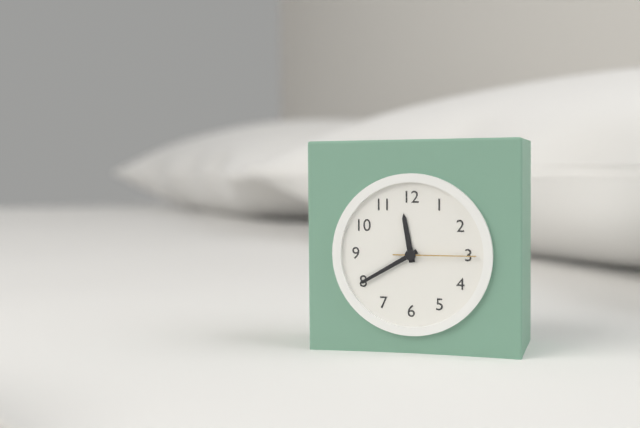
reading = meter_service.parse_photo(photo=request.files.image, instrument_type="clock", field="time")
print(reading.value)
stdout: 11:40:15
